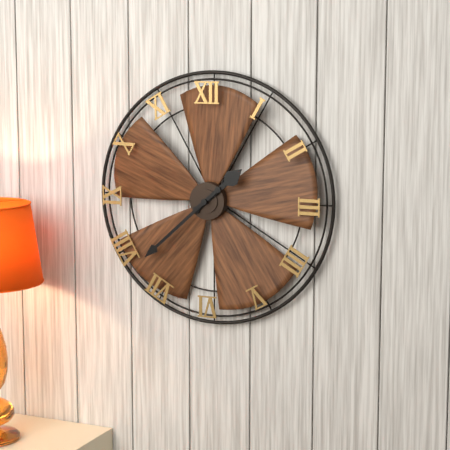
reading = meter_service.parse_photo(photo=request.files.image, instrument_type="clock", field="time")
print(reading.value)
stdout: 1:38
